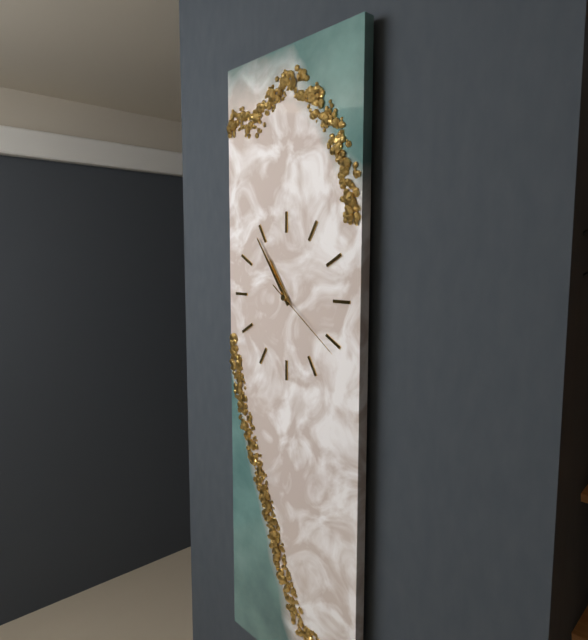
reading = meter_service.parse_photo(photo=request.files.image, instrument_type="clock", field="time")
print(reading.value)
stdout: 10:54:21
